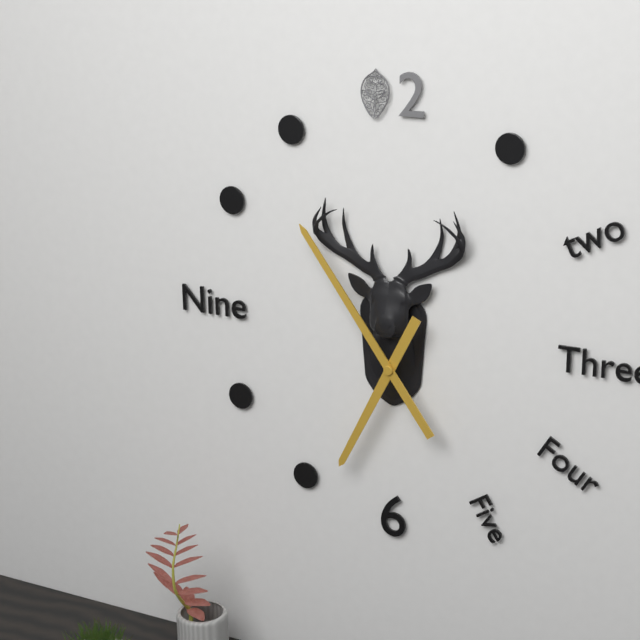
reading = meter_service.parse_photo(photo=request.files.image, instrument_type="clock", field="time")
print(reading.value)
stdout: 6:54
